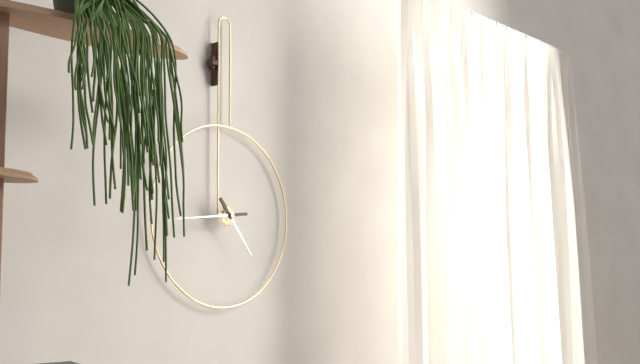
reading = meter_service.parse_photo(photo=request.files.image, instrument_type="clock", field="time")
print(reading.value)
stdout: 4:44
